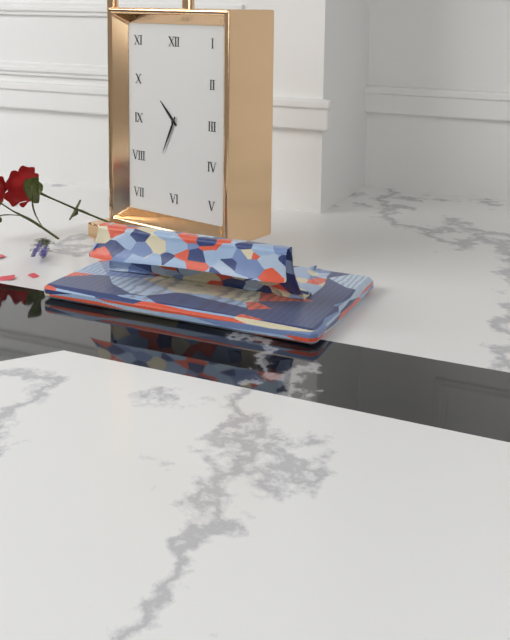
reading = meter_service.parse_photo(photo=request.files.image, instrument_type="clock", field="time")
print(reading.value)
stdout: 10:34
